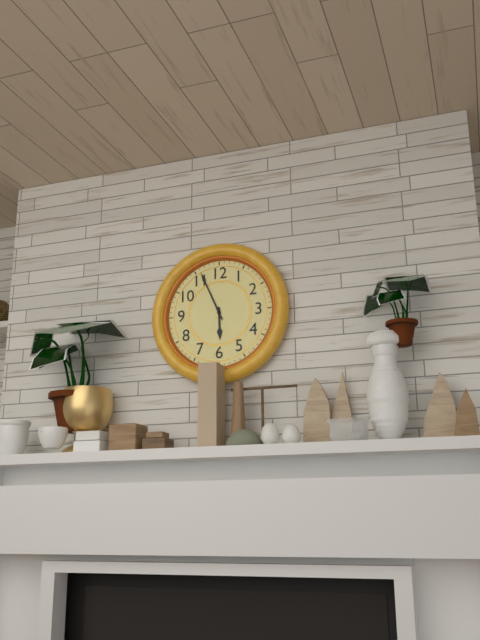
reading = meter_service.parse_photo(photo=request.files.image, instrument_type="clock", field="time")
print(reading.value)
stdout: 5:56
